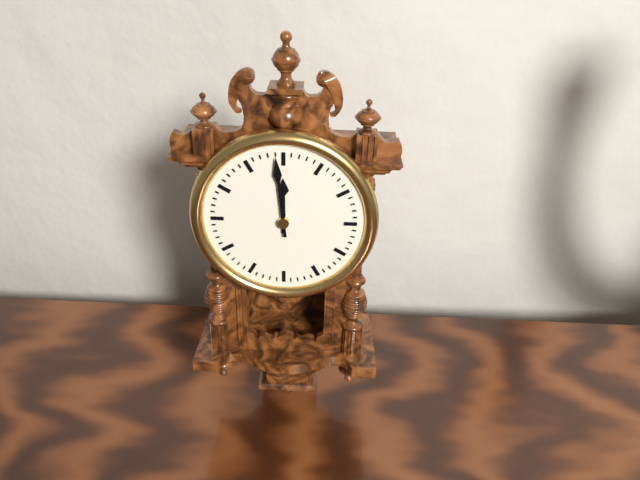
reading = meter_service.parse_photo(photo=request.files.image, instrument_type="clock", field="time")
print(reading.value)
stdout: 11:59
